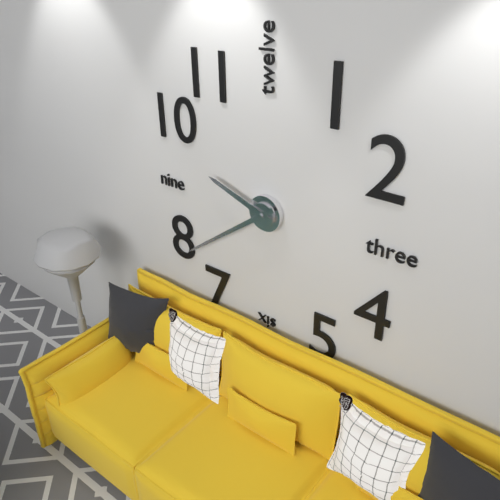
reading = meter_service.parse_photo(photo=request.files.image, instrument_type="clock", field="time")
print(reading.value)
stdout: 9:39
